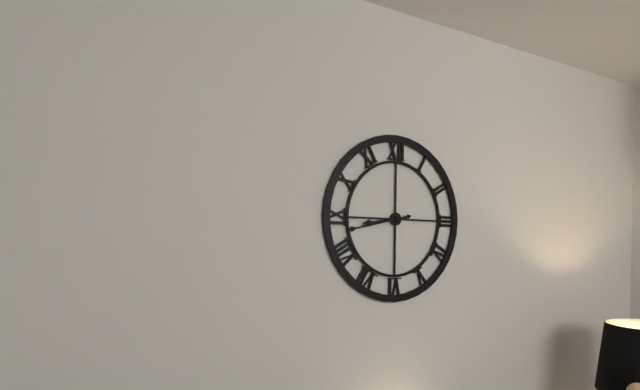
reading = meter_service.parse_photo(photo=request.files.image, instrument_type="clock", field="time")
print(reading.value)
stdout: 8:43
